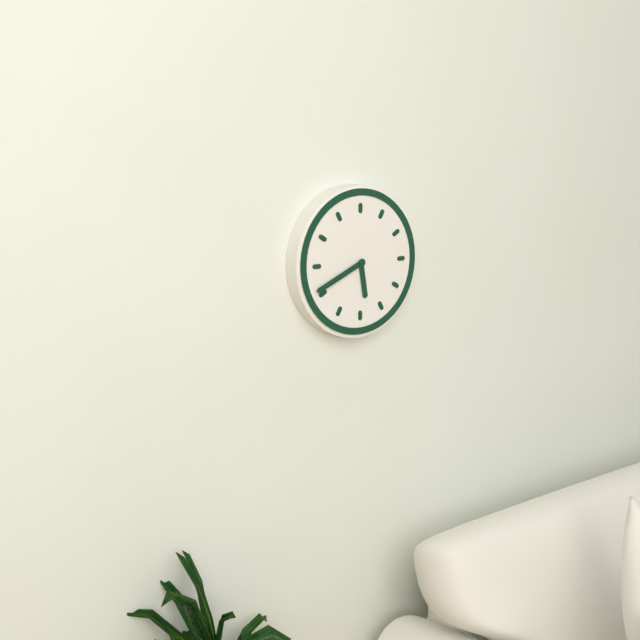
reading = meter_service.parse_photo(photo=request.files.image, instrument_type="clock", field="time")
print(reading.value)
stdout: 5:41
